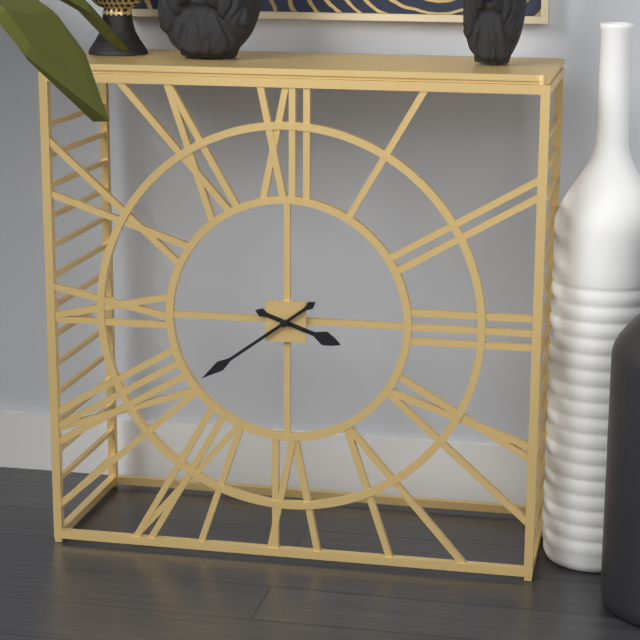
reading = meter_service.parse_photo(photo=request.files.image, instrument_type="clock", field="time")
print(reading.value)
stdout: 3:39
